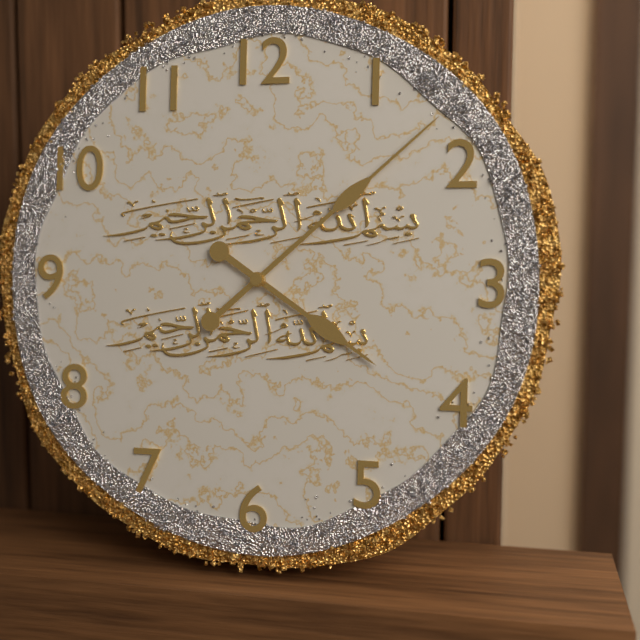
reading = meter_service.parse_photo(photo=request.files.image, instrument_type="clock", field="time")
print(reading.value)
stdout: 4:08
